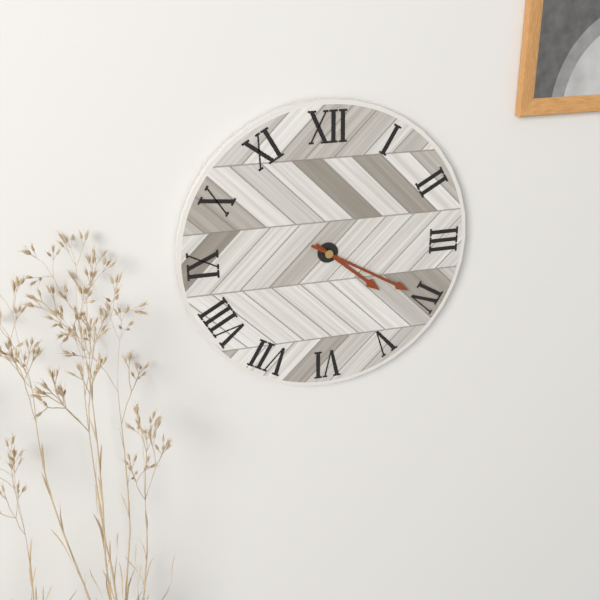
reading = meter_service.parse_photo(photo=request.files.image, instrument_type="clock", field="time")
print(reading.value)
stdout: 4:20
